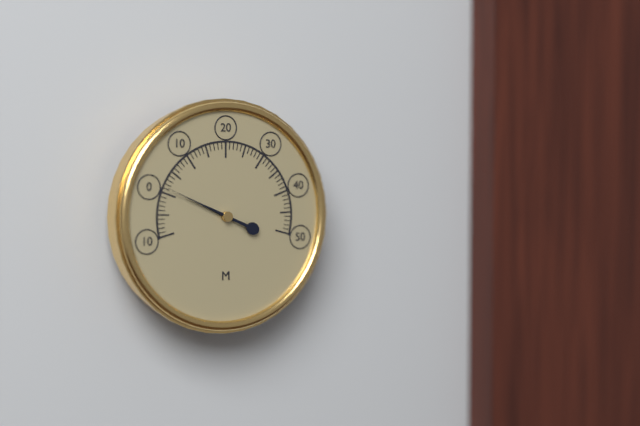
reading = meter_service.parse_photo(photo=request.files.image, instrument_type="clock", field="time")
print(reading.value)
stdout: 9:49
